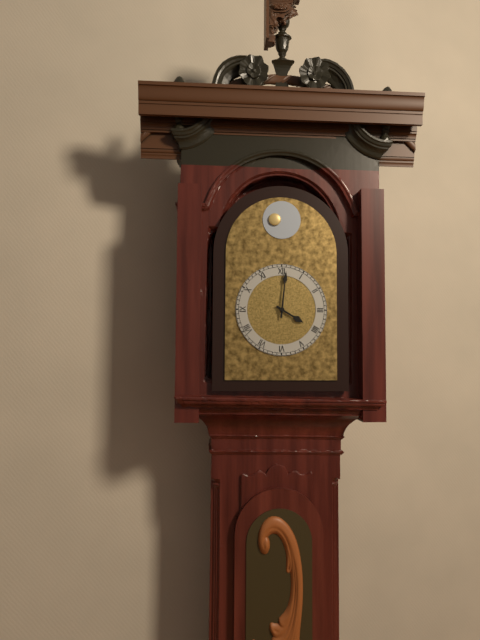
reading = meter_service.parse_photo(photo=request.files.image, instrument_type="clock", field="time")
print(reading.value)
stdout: 4:01
